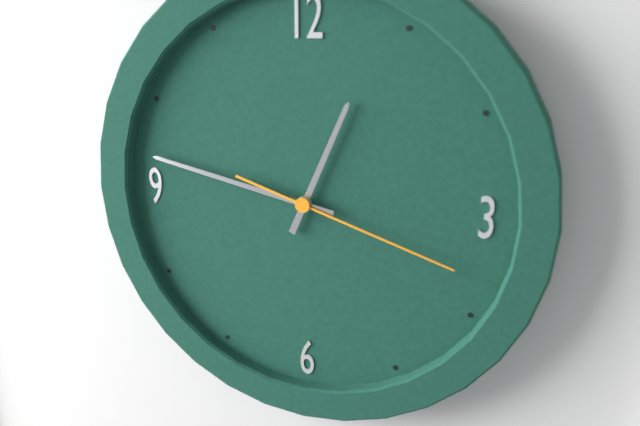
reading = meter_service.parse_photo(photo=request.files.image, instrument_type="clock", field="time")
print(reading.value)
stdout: 12:47:18
